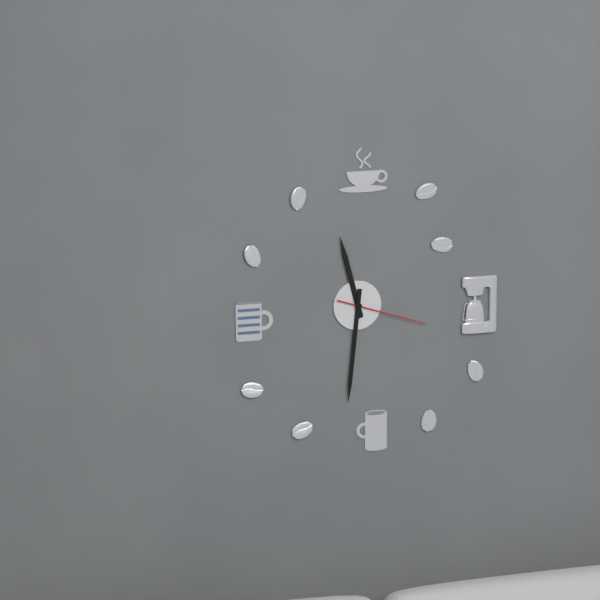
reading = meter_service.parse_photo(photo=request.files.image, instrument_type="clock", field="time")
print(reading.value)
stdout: 11:31:18
